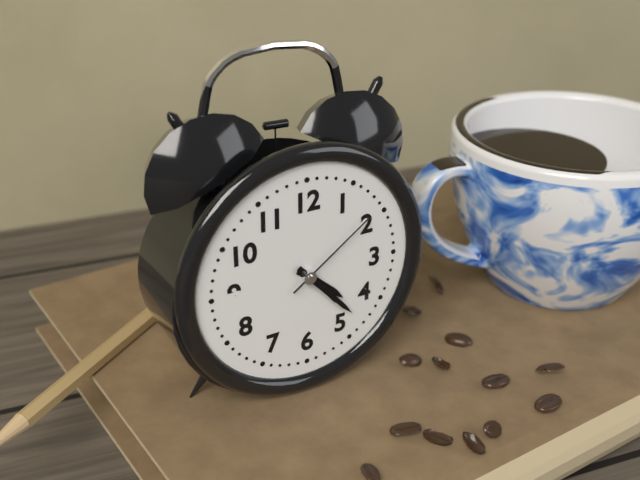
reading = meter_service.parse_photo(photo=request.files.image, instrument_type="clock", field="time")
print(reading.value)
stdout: 4:23:09
